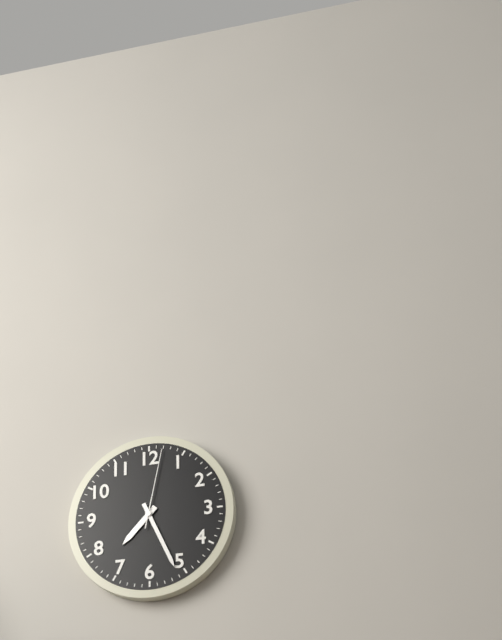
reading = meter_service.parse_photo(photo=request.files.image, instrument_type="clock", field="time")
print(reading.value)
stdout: 7:26:02
